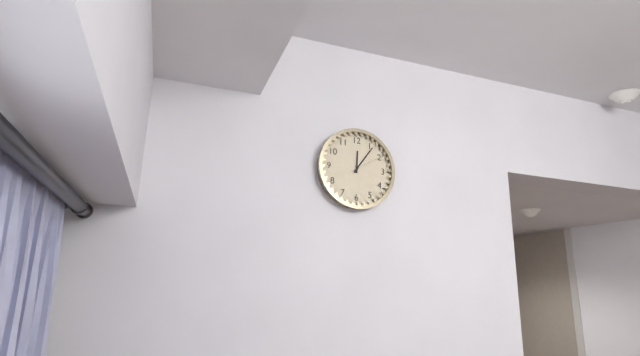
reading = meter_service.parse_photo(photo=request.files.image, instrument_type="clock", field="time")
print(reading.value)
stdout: 12:06
